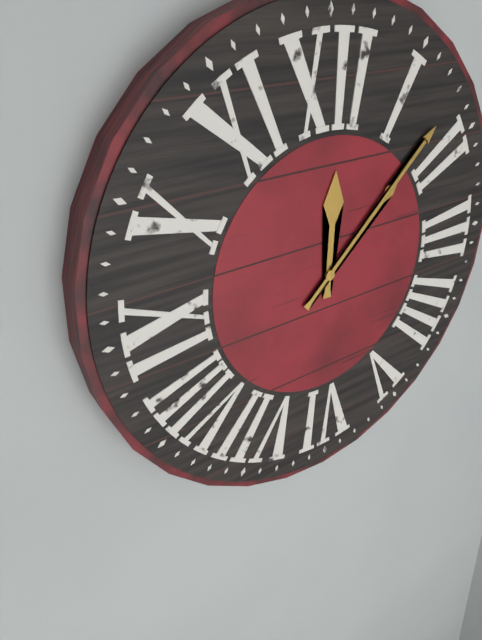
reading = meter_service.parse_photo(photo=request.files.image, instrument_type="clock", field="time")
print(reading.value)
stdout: 12:08
